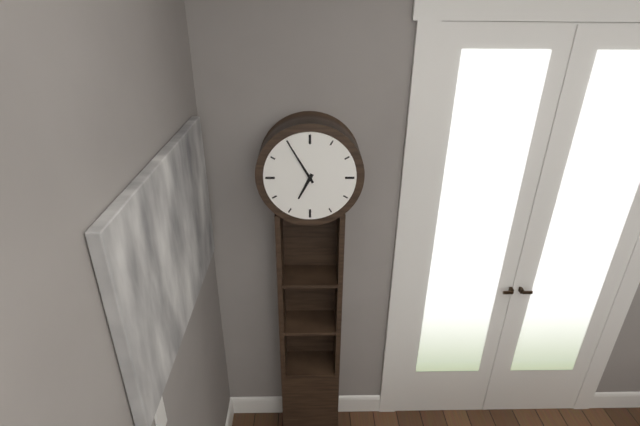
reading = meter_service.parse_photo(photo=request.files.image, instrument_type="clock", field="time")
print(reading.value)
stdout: 6:55
